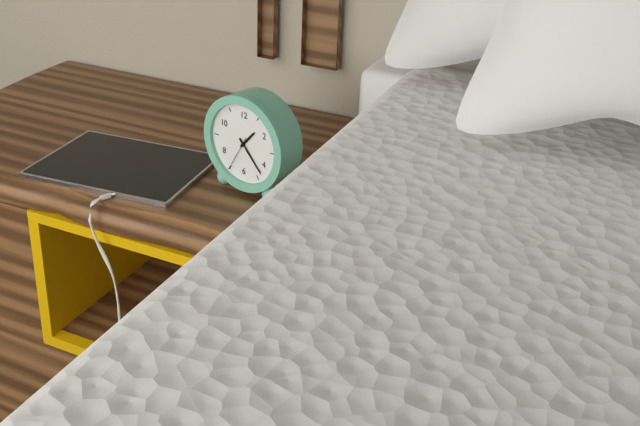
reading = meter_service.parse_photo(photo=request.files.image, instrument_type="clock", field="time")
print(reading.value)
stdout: 1:23
